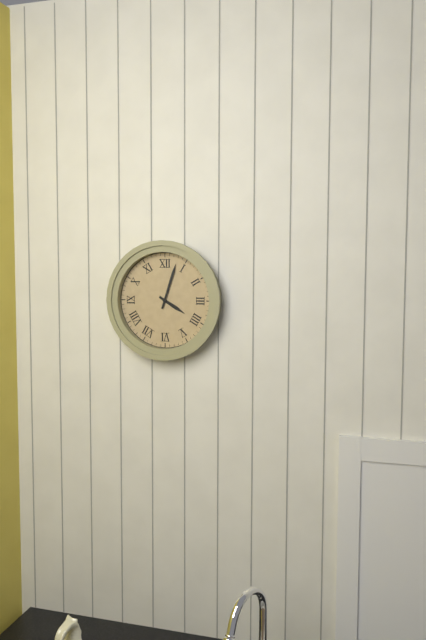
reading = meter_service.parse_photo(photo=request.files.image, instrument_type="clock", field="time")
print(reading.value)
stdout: 4:03
